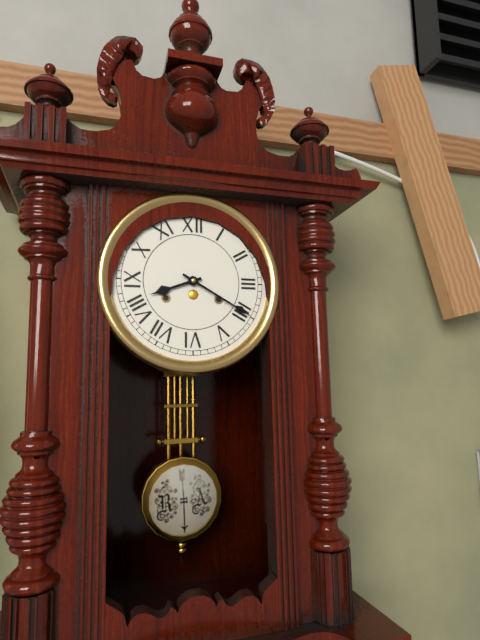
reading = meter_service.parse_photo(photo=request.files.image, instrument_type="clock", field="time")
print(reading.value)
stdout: 8:20
